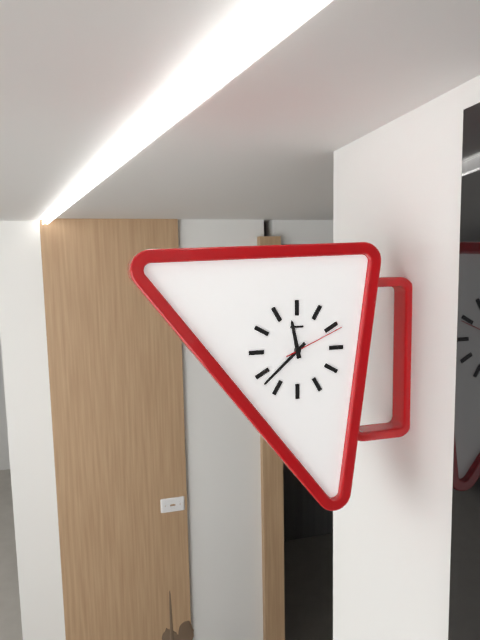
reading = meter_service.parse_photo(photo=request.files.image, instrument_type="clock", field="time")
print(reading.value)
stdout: 11:38:11
